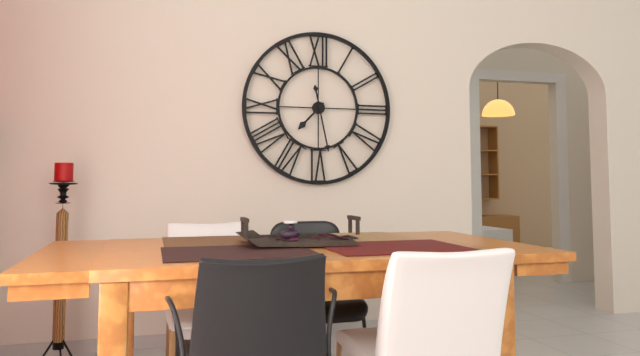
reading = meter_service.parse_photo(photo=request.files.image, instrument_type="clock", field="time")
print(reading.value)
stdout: 7:28
